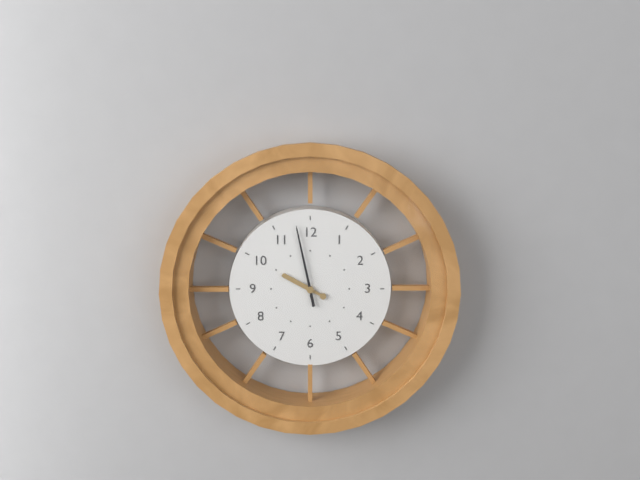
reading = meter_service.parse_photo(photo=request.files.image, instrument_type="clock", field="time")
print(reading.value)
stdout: 9:58
